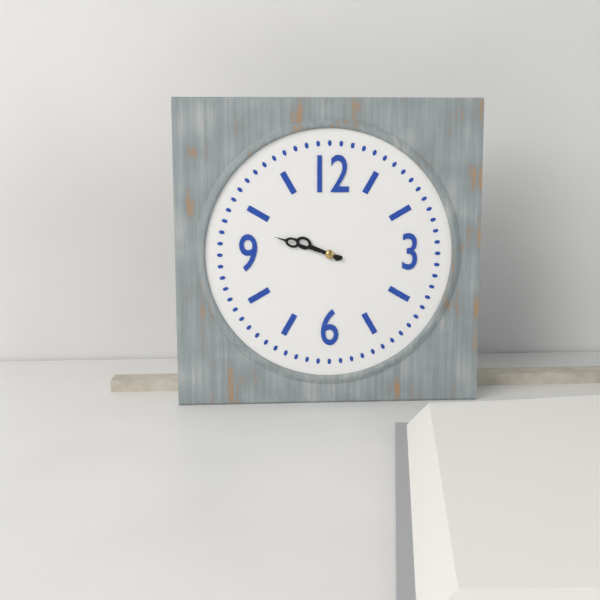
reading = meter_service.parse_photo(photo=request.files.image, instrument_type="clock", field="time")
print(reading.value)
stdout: 9:48
